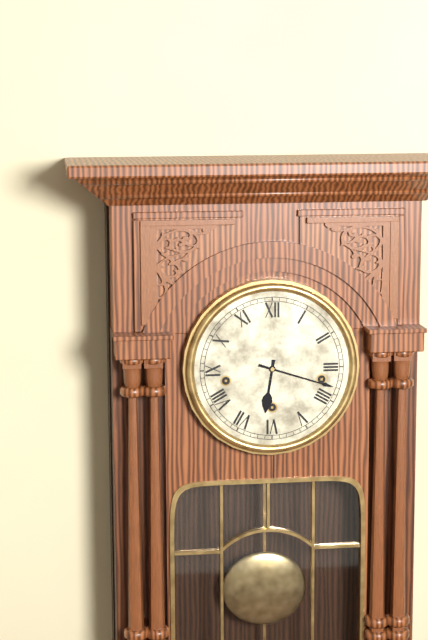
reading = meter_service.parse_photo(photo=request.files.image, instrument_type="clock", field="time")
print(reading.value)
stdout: 6:18
